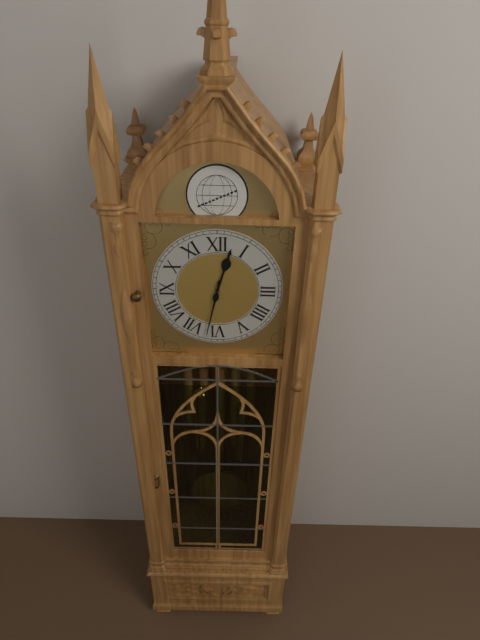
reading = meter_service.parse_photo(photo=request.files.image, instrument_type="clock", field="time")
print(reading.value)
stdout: 12:32
